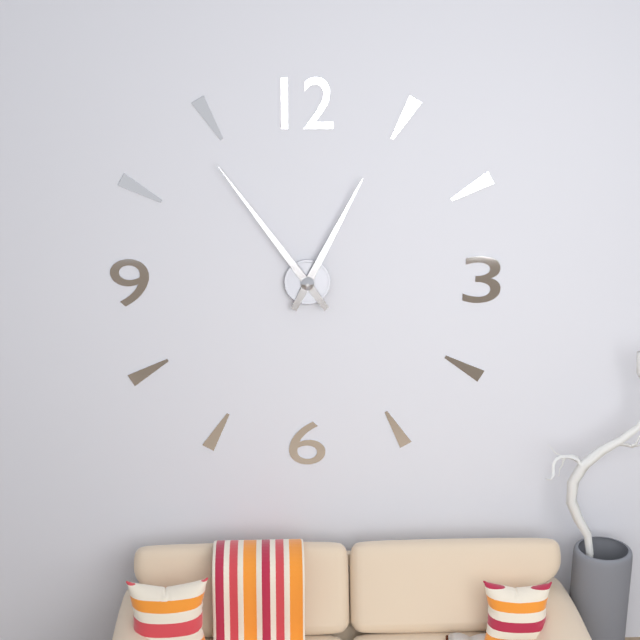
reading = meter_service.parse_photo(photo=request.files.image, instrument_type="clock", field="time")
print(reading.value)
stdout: 12:54
